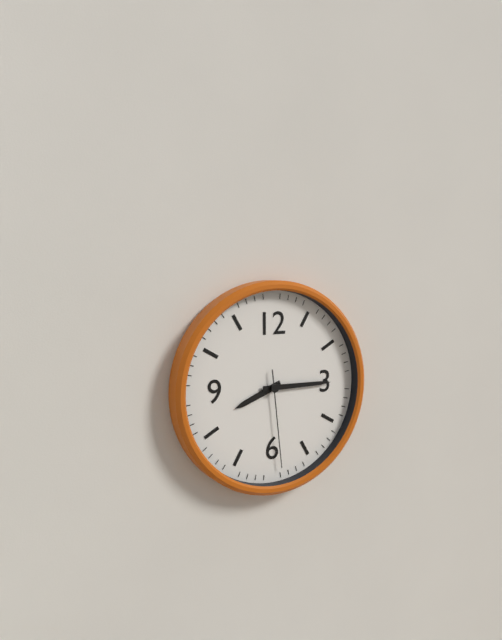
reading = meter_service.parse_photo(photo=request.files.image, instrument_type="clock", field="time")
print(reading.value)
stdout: 8:15:29
